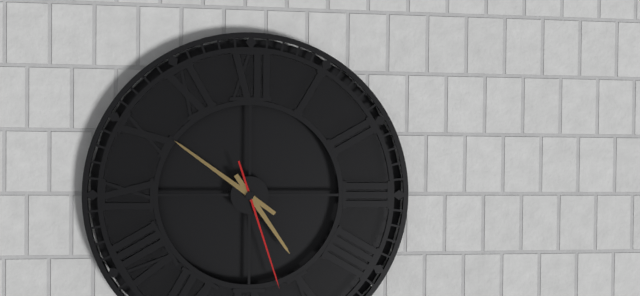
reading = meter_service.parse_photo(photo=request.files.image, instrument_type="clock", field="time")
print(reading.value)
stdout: 4:51:27
